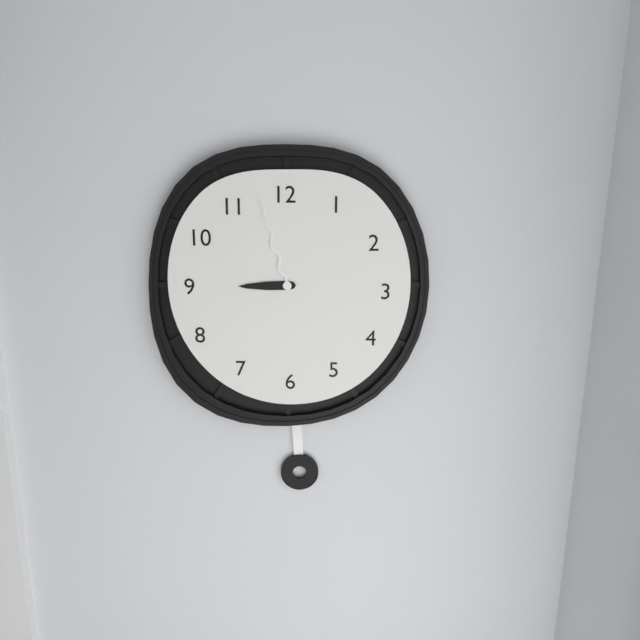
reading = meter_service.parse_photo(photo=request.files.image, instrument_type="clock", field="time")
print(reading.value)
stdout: 8:57
